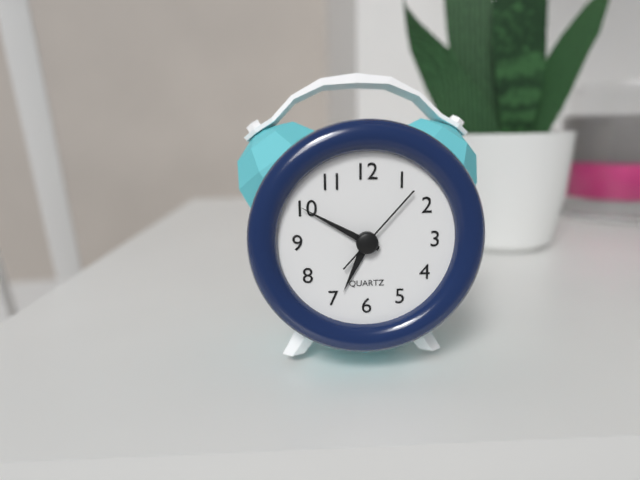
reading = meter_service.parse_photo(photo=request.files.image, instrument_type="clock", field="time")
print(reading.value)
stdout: 6:50:07
